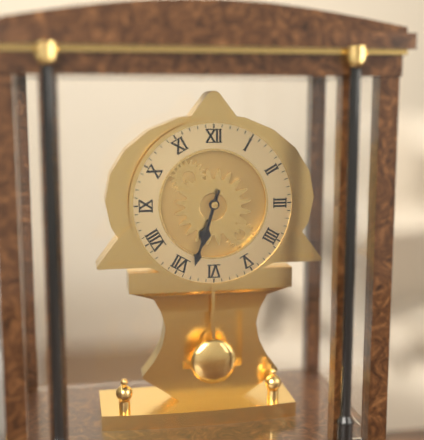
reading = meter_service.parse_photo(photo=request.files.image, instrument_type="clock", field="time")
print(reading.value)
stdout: 6:33
